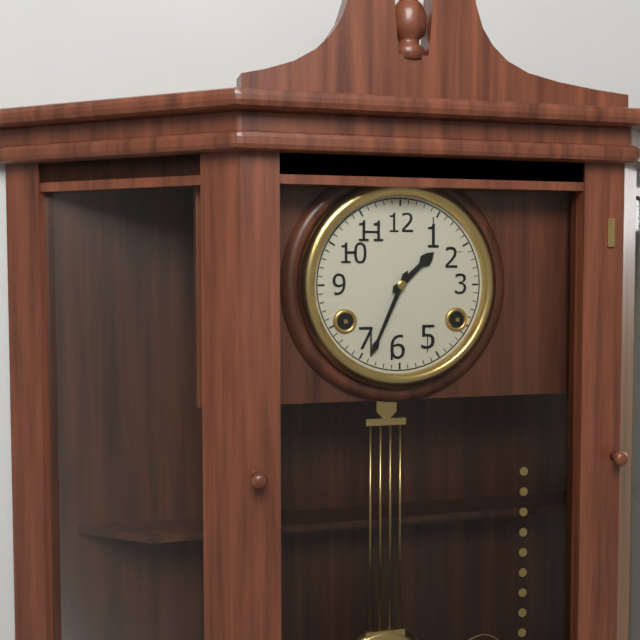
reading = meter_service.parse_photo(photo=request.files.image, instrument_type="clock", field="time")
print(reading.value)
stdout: 1:34
